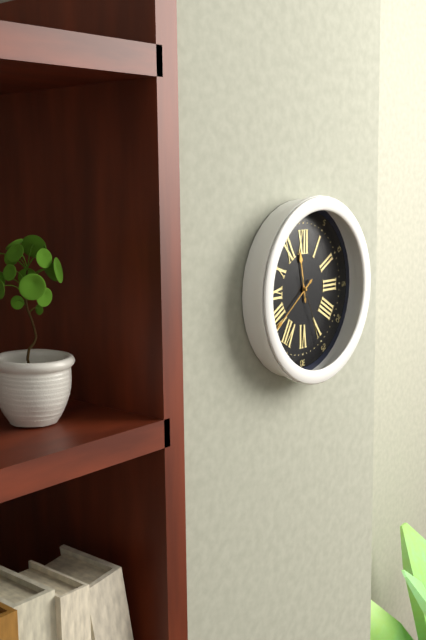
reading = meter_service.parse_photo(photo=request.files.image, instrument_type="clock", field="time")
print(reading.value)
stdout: 11:39:26
